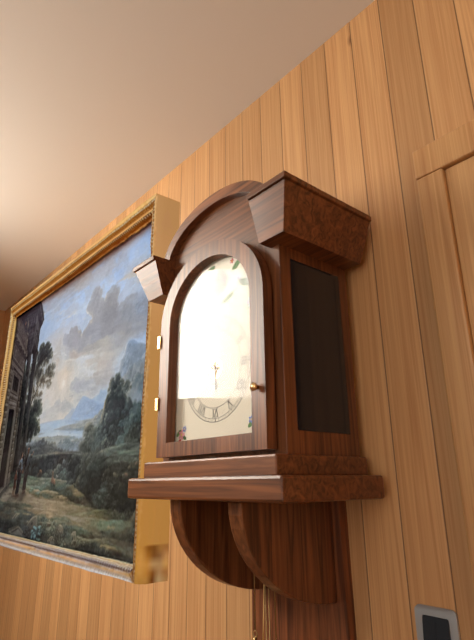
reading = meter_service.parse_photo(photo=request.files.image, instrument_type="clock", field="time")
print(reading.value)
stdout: 5:48
